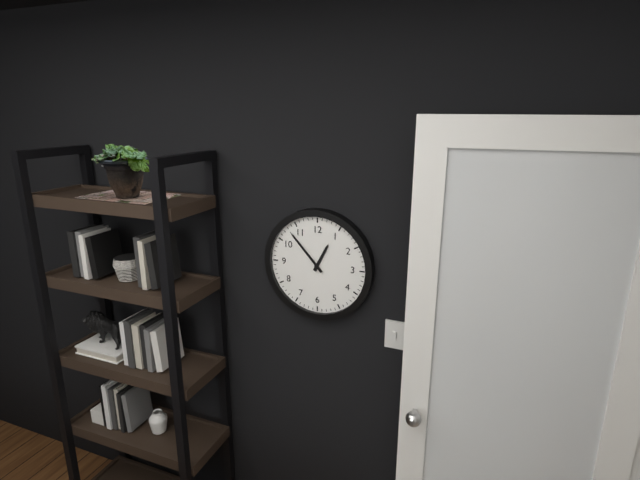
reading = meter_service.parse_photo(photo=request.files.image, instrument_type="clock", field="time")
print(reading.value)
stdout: 12:53
